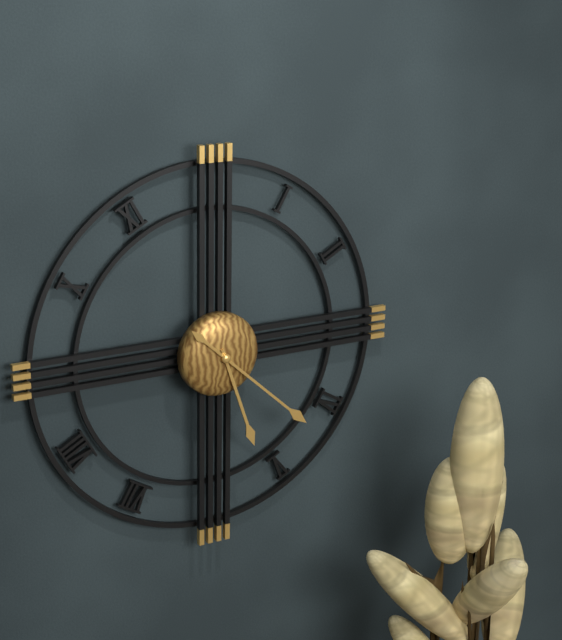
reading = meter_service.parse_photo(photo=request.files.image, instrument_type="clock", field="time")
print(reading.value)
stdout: 5:22
